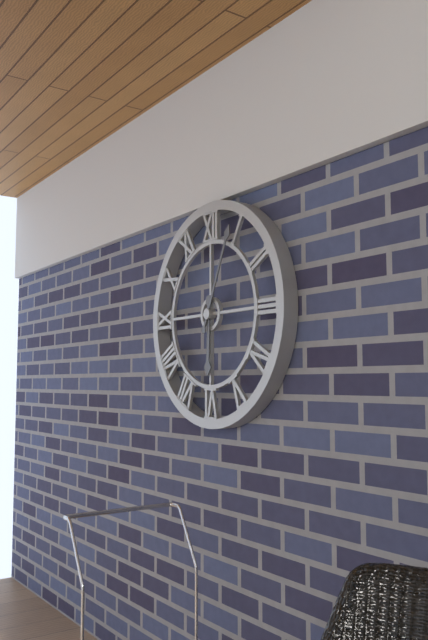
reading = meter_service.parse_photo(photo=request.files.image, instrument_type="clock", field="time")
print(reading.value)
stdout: 6:04
